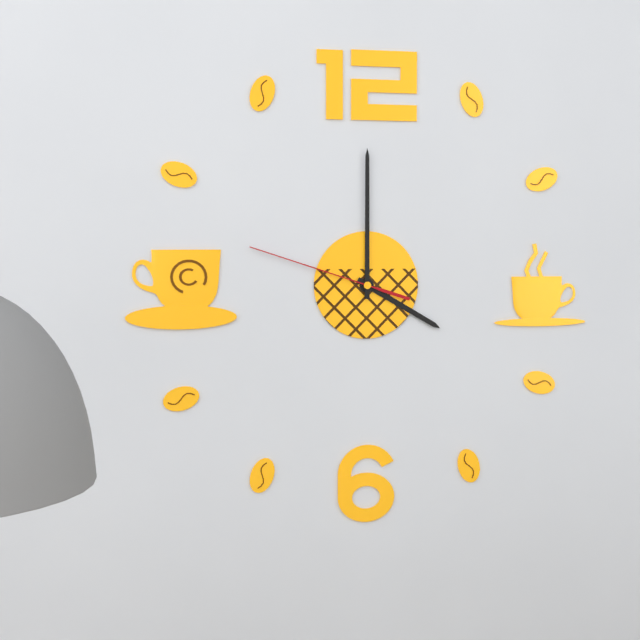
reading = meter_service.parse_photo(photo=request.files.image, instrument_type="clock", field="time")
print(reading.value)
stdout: 4:00:48
